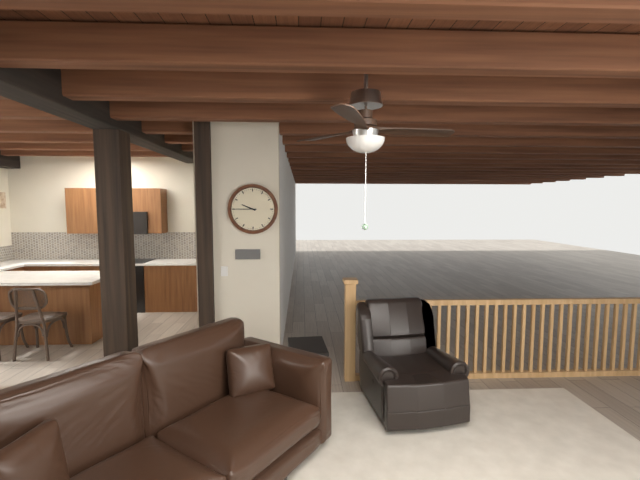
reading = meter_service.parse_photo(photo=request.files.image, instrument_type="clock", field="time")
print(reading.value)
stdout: 9:45
